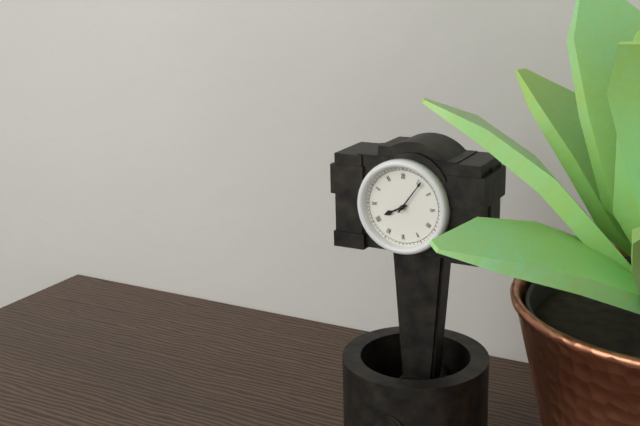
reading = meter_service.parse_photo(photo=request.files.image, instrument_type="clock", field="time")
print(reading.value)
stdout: 8:06
